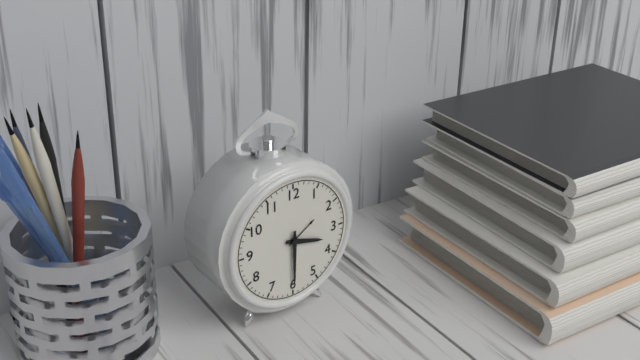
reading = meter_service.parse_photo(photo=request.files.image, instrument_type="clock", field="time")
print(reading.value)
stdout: 3:30
